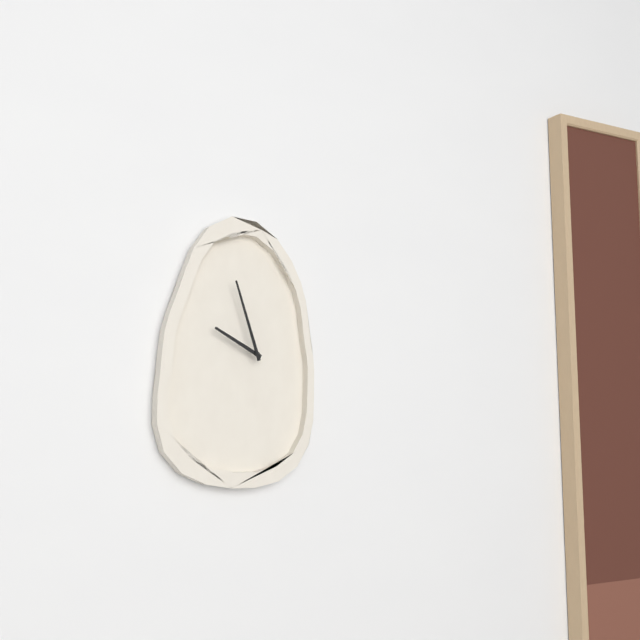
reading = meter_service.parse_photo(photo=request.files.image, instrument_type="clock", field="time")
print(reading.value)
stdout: 9:57
